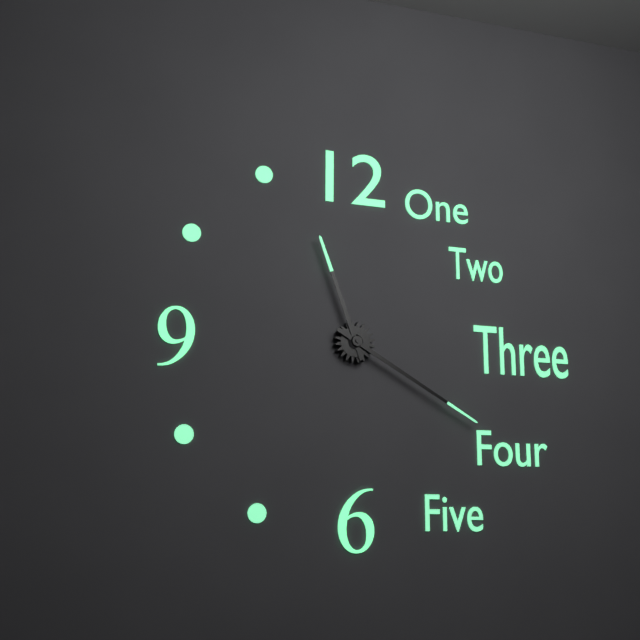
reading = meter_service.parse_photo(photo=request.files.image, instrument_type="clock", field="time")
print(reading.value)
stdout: 11:20
